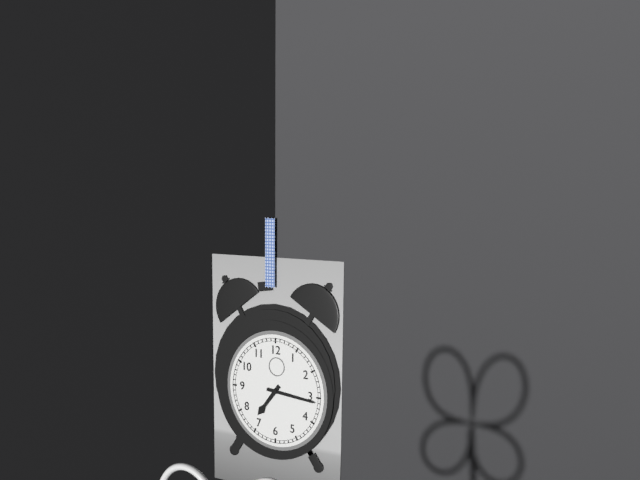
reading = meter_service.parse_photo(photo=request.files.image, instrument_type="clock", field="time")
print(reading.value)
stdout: 7:16
